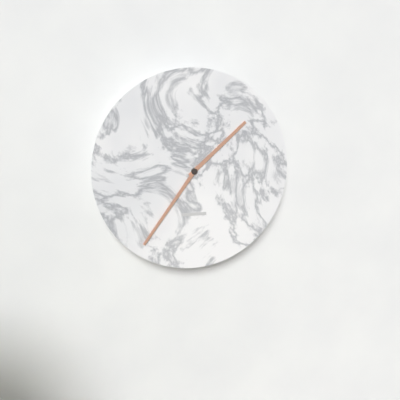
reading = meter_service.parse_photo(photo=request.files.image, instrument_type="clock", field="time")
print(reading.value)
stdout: 1:36
